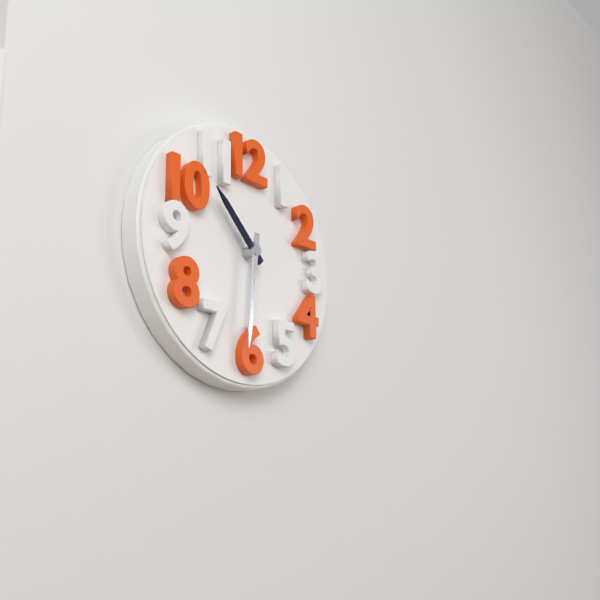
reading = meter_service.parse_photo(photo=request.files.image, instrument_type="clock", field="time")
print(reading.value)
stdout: 10:31
